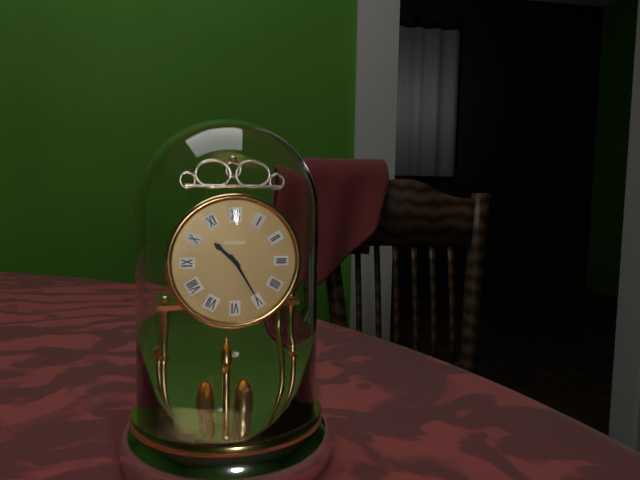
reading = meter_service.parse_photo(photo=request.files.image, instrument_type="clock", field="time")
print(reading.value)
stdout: 10:25
